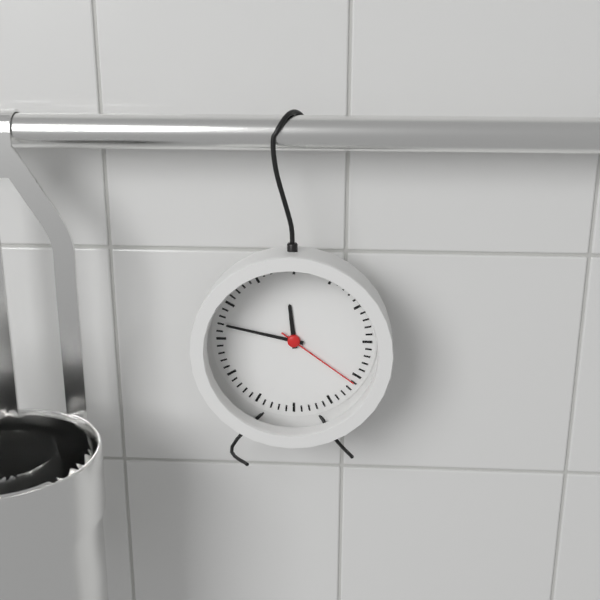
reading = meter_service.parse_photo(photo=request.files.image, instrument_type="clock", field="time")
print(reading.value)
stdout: 11:47:21
